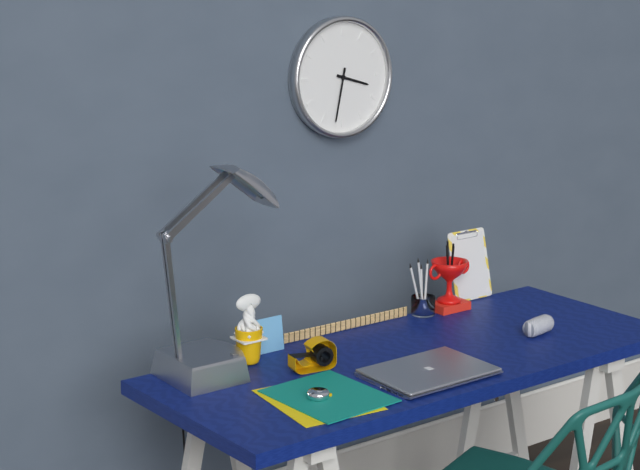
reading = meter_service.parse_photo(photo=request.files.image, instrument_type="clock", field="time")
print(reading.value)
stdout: 3:32
